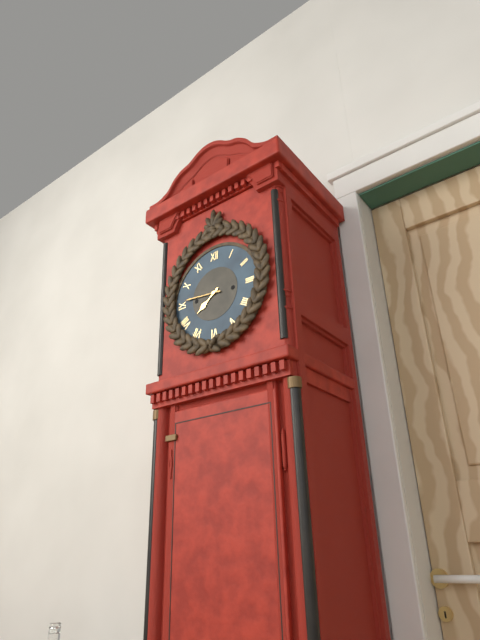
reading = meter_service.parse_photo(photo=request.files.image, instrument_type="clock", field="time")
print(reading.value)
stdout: 7:46
